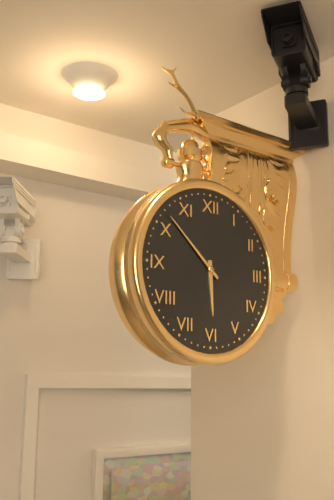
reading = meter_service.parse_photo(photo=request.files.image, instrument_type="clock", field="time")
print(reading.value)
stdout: 5:52
